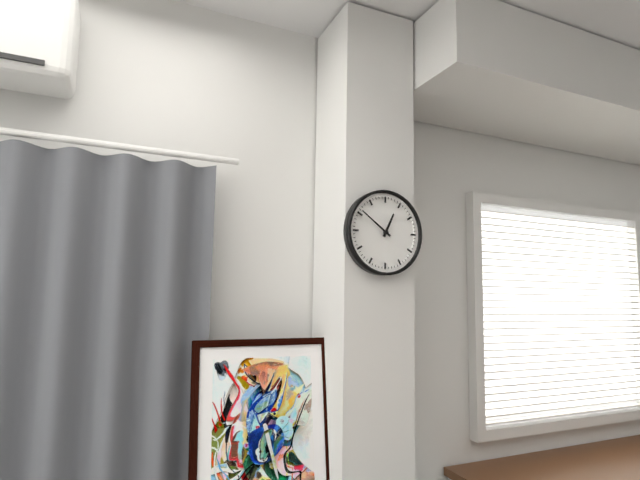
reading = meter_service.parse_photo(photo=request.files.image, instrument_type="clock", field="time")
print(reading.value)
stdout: 12:51
